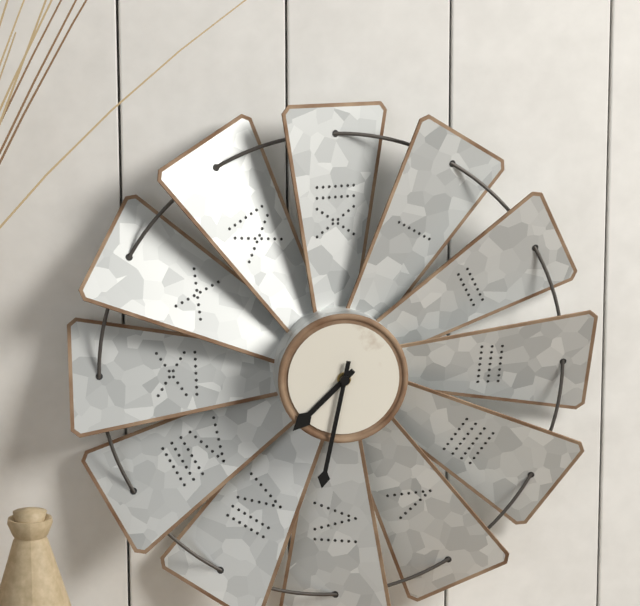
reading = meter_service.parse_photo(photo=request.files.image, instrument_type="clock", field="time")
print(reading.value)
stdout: 7:32
